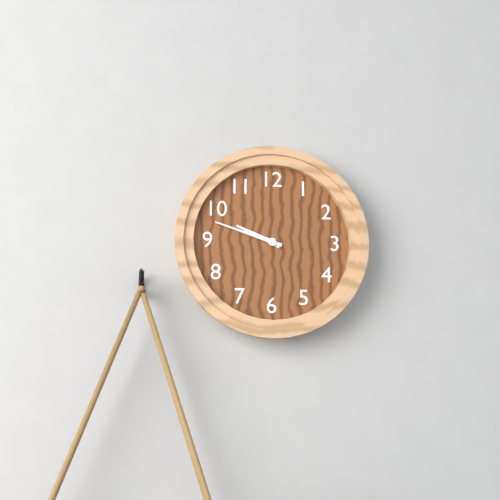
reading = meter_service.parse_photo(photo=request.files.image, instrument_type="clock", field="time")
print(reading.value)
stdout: 9:48
